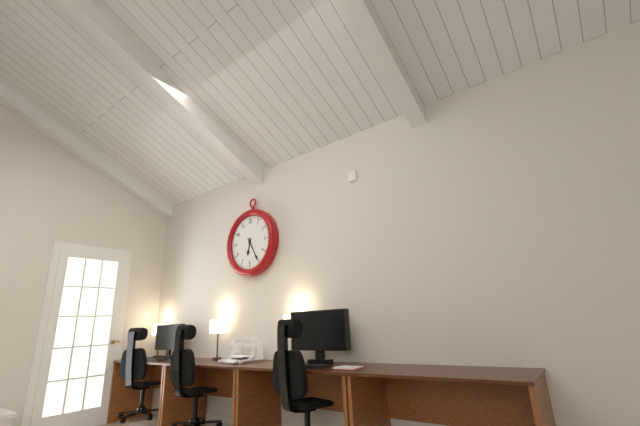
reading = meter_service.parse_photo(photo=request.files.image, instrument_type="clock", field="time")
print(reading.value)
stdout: 6:25
